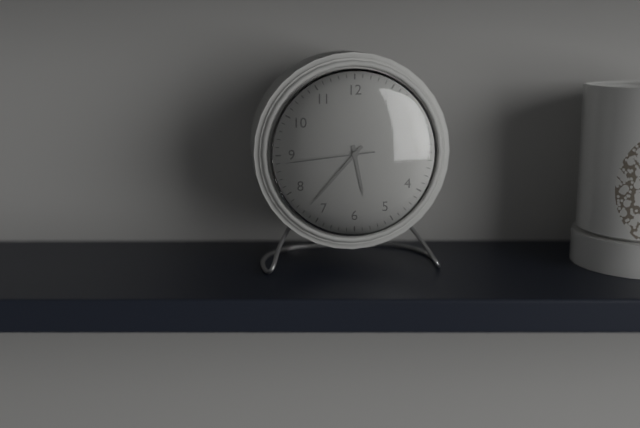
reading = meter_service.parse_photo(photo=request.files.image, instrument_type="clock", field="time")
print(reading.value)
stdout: 5:37:44
